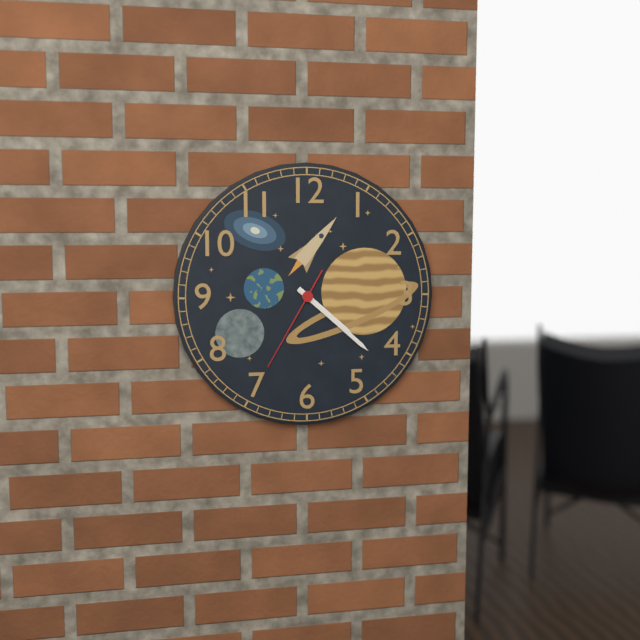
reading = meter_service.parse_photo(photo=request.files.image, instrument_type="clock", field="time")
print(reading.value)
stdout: 4:22:35
